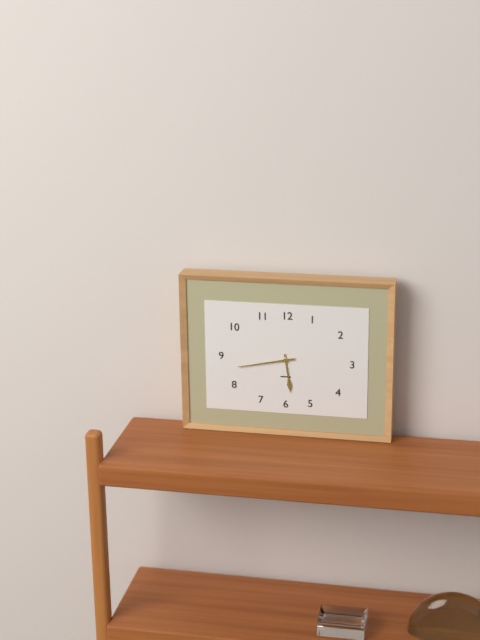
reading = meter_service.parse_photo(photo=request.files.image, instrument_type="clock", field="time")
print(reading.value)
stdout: 5:43
